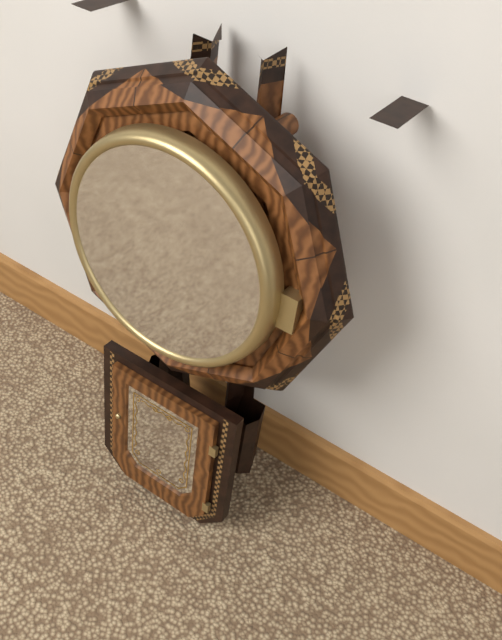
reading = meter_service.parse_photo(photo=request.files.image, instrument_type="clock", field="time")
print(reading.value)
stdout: 5:15
